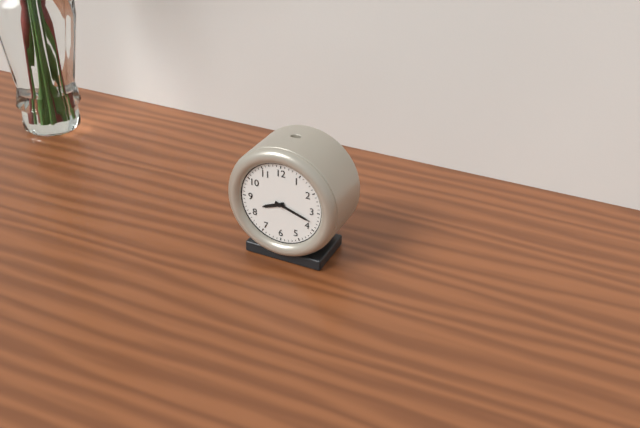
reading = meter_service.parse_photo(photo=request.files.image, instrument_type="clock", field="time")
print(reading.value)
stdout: 8:18
